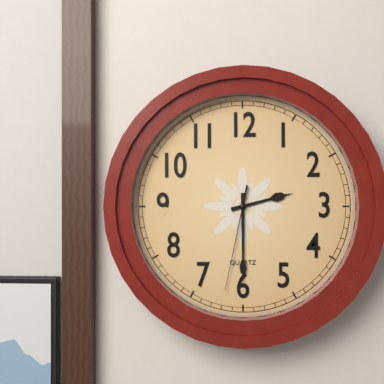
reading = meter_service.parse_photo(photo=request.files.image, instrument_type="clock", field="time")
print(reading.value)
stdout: 2:30:32
